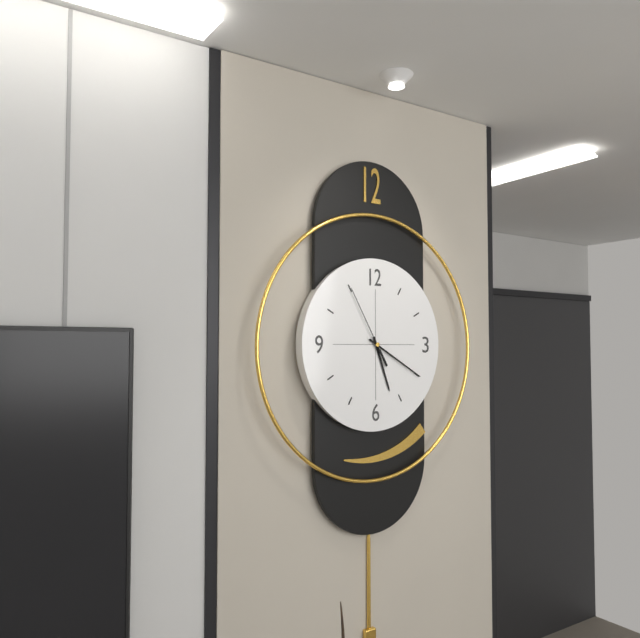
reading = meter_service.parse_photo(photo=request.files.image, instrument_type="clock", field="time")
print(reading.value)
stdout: 5:20:55
